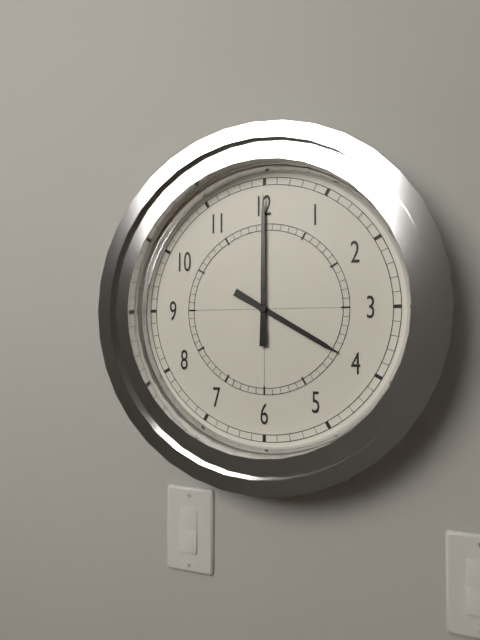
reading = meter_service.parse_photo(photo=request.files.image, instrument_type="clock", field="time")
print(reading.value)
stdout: 4:00
